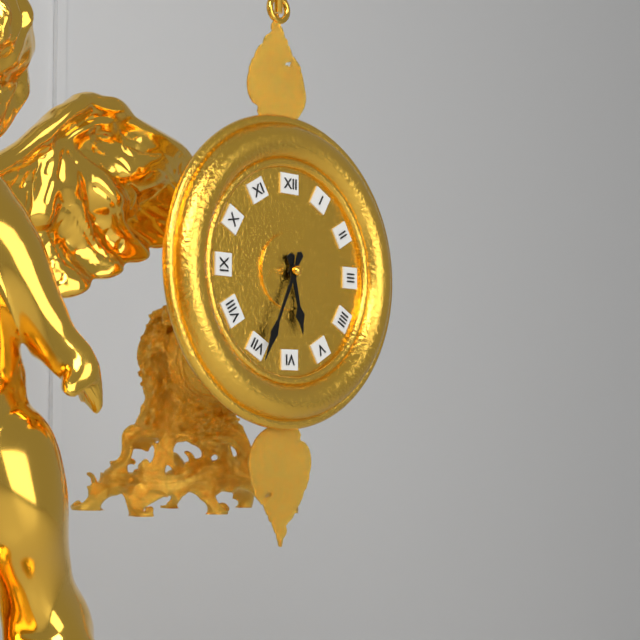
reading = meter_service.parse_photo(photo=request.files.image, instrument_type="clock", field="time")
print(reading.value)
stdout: 5:34
